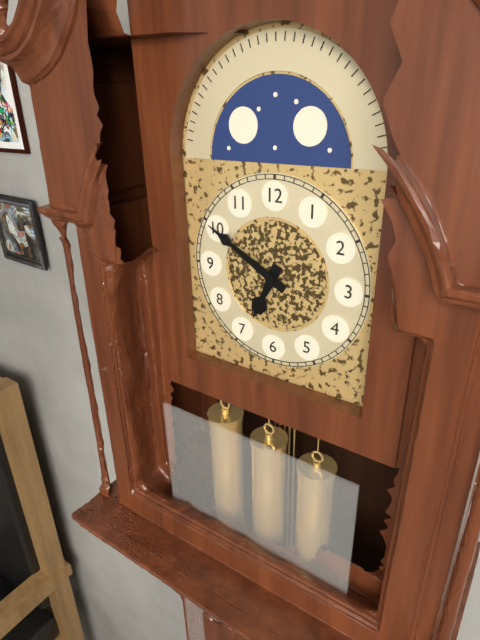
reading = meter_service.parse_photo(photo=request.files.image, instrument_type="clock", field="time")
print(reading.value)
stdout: 6:50
